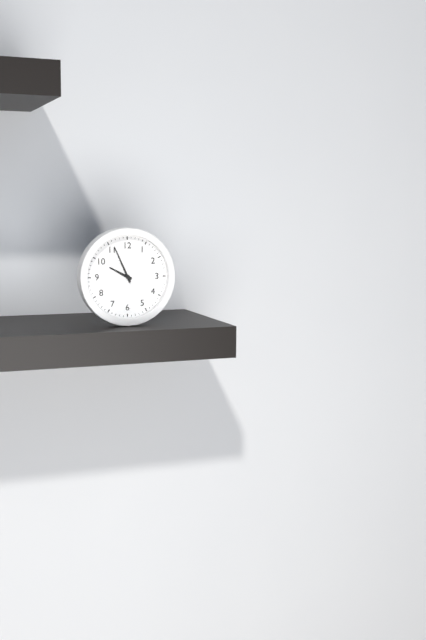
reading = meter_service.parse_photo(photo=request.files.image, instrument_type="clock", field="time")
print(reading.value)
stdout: 9:56
